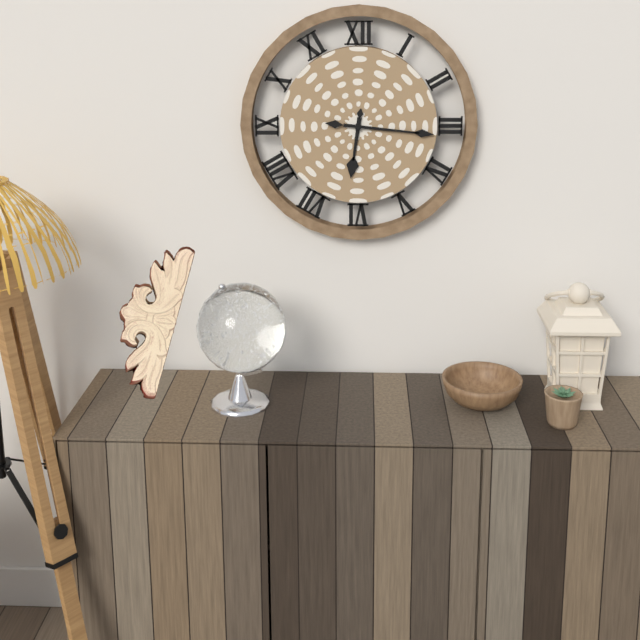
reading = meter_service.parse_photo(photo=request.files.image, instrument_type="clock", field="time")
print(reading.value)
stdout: 6:16
